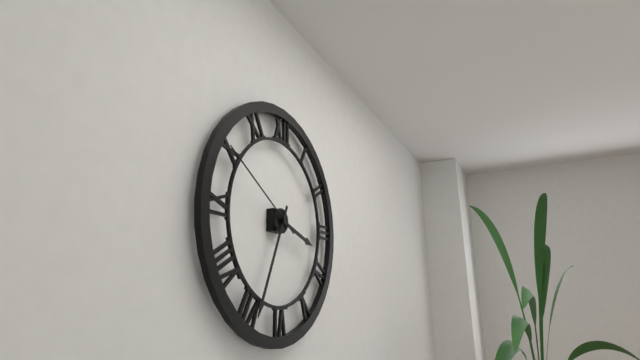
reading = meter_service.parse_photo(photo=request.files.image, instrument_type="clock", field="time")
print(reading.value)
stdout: 3:34:50
